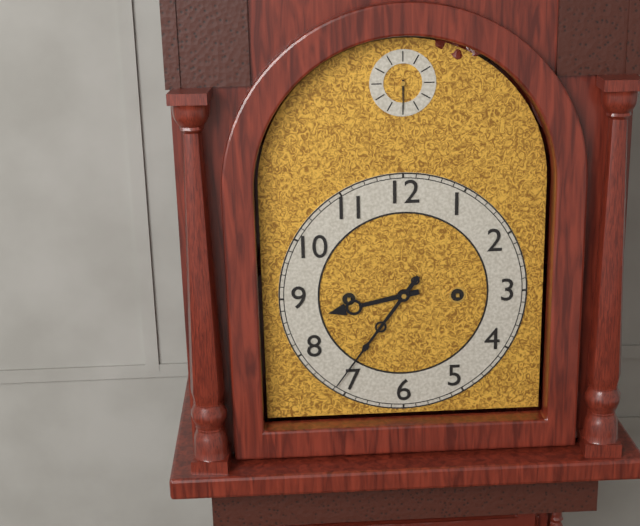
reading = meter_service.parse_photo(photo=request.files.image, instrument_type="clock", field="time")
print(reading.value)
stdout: 8:36
